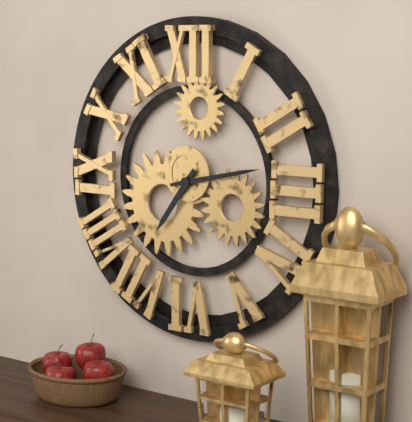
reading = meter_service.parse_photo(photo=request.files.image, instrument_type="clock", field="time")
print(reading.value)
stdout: 7:13
